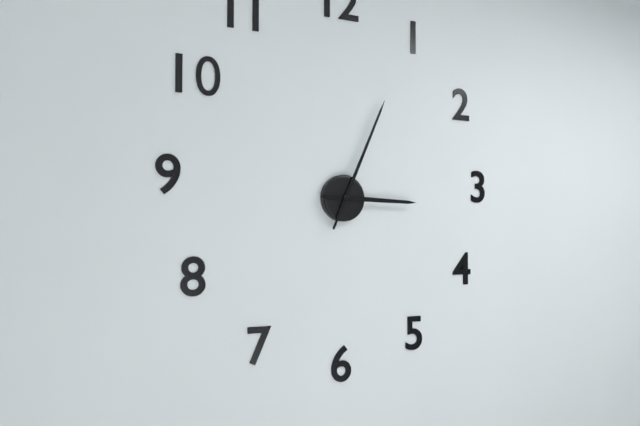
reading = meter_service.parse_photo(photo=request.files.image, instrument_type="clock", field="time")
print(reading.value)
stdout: 3:04
